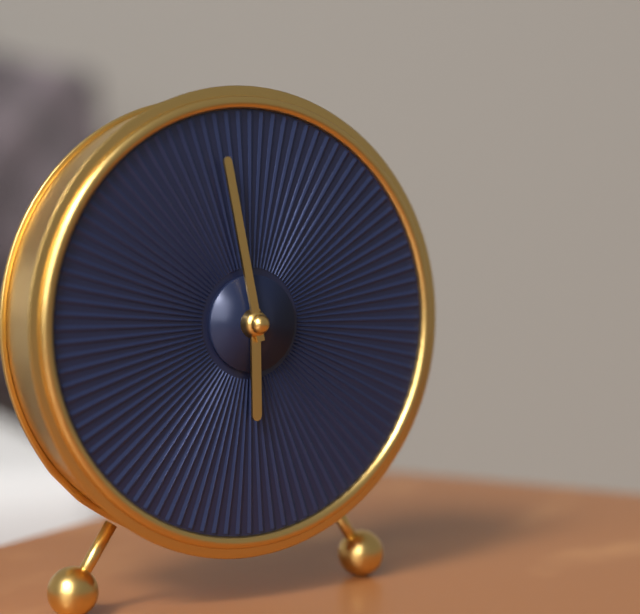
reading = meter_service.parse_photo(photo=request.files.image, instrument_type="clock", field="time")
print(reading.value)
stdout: 5:58
